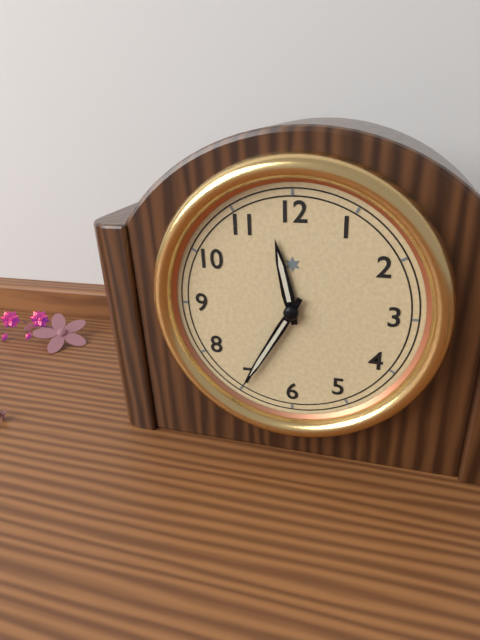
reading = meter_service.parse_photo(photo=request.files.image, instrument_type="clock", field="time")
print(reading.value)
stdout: 11:35
